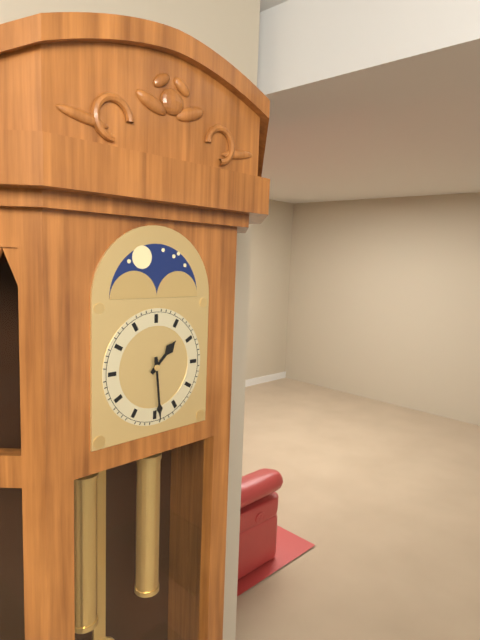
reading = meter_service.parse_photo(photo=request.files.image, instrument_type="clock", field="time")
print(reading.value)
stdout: 1:29
